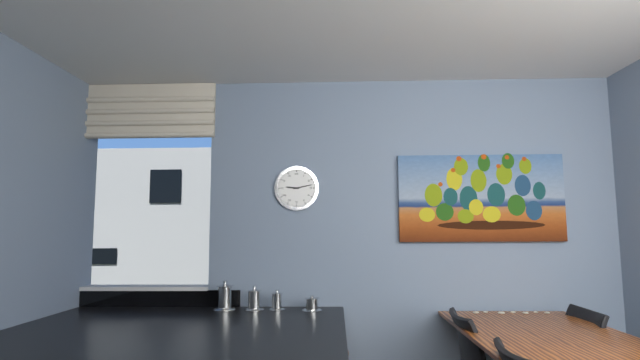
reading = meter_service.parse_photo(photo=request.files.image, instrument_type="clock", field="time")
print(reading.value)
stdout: 9:13
